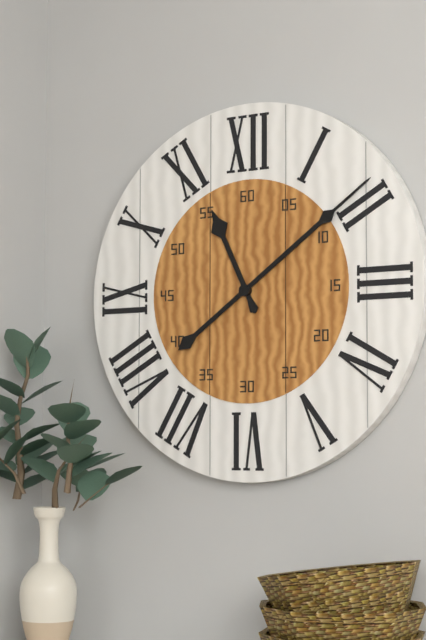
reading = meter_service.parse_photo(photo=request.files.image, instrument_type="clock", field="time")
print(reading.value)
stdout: 11:09
